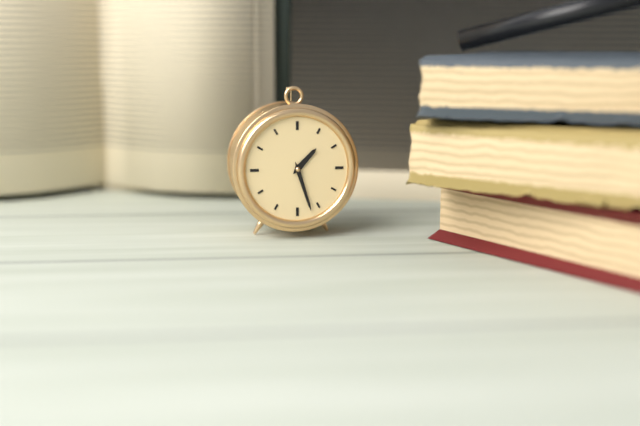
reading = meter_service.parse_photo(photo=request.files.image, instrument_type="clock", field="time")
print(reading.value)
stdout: 1:27
